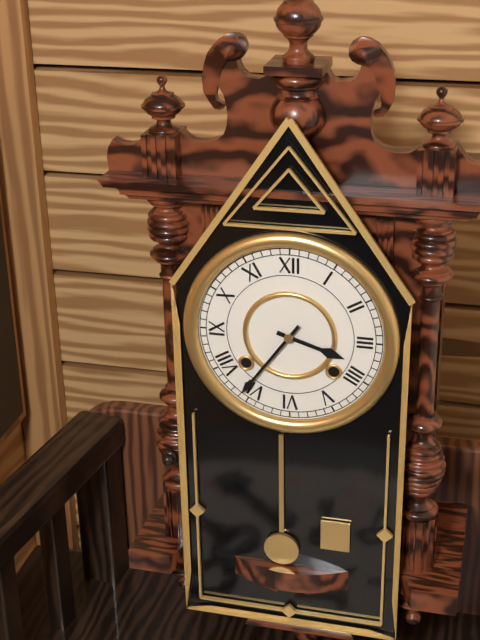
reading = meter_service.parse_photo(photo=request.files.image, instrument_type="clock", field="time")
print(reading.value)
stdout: 3:36
